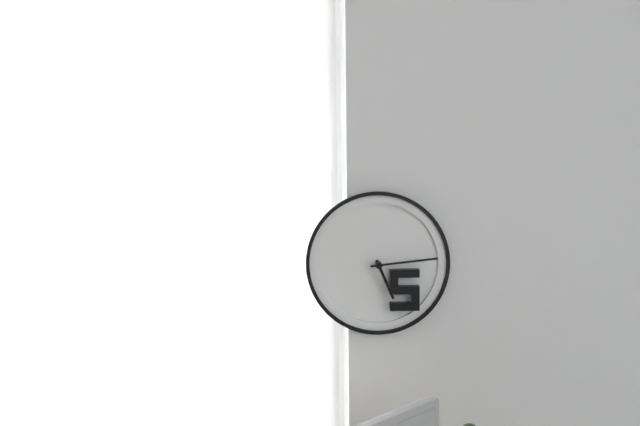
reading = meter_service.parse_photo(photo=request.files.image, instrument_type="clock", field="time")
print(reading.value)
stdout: 5:14
